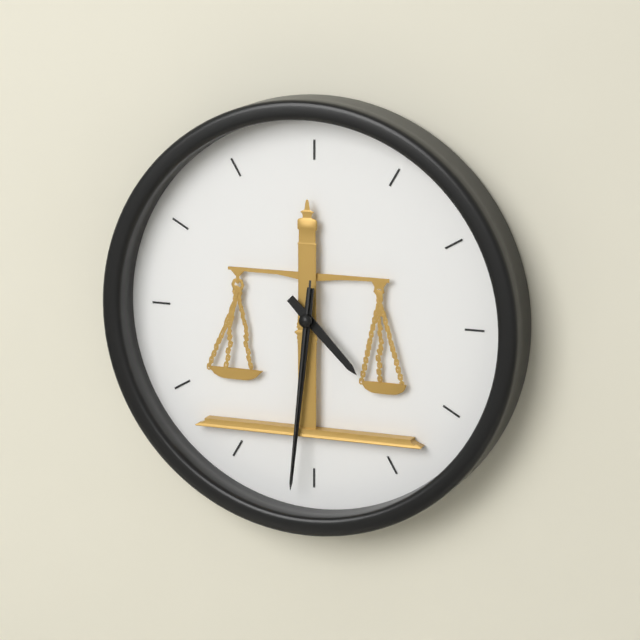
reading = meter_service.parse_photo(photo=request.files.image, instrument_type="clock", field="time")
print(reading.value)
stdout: 4:31:31
